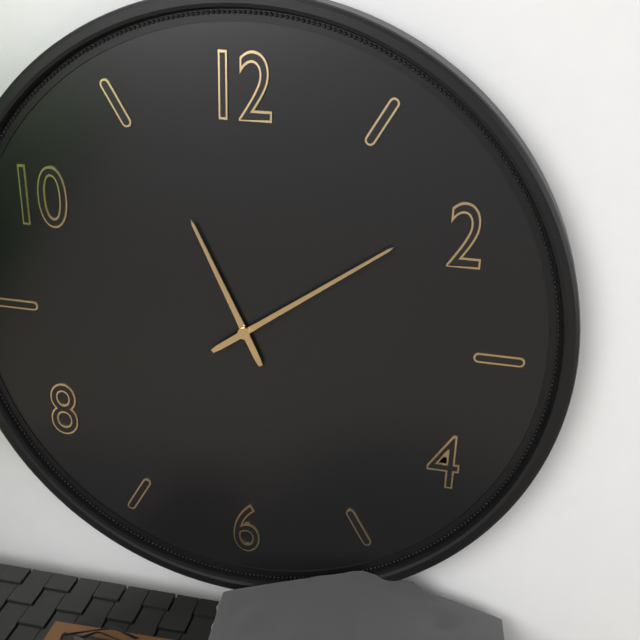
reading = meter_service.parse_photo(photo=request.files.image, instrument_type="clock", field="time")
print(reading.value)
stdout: 11:09
